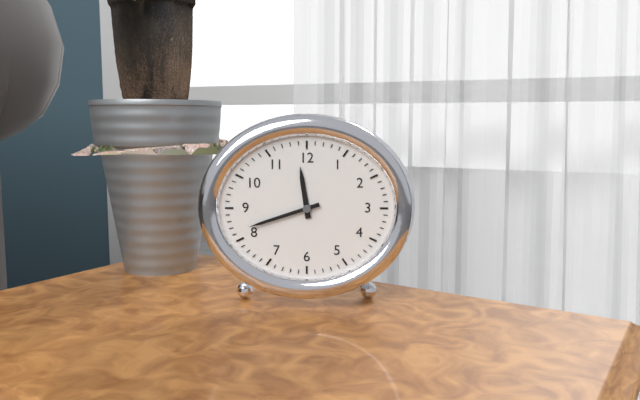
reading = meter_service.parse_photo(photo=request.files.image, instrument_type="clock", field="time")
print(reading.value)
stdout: 11:42
